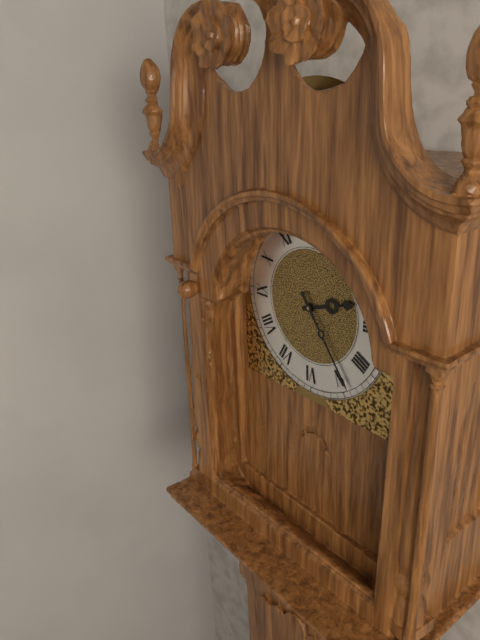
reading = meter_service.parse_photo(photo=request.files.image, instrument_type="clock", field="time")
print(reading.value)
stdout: 2:24
